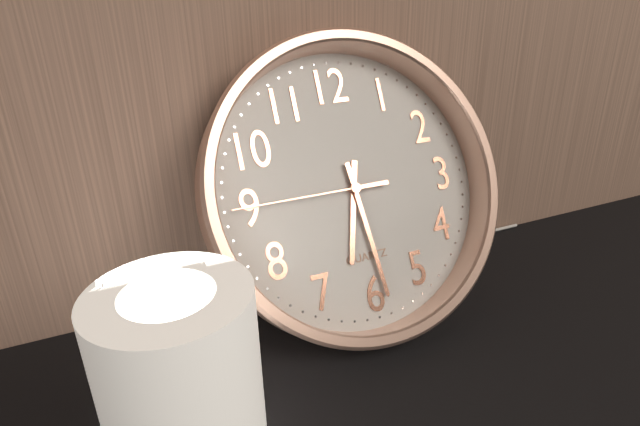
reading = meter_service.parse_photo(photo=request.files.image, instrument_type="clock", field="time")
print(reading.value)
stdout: 6:29:45
